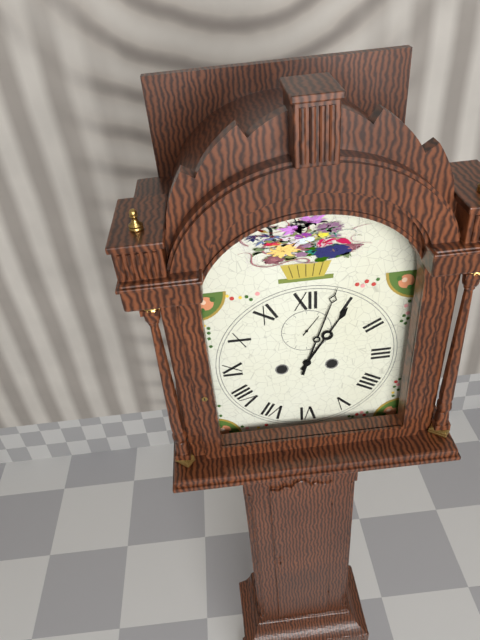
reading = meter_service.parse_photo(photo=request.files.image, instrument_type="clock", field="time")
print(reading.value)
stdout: 1:03
